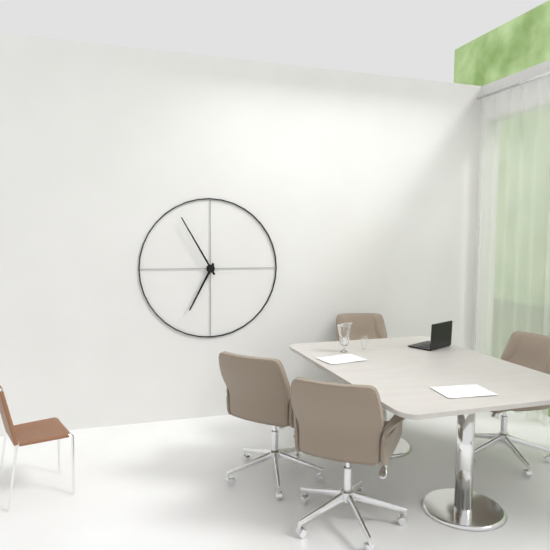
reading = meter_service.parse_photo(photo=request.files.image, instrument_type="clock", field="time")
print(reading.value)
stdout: 6:55
